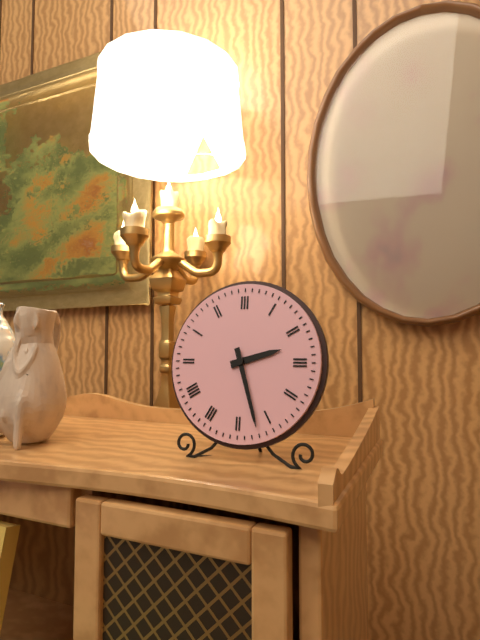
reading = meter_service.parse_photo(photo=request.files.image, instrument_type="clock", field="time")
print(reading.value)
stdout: 2:27
